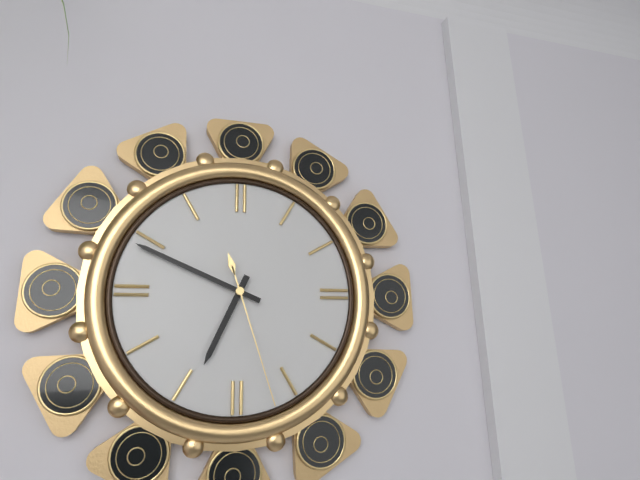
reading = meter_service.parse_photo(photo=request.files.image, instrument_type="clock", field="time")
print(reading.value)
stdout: 6:49:27
